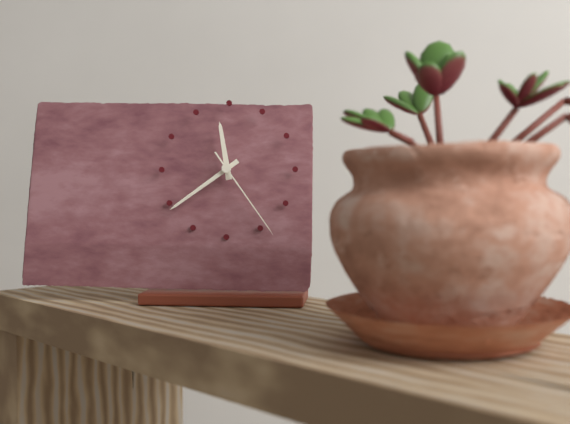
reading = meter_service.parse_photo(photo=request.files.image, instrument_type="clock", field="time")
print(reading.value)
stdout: 11:39:24
